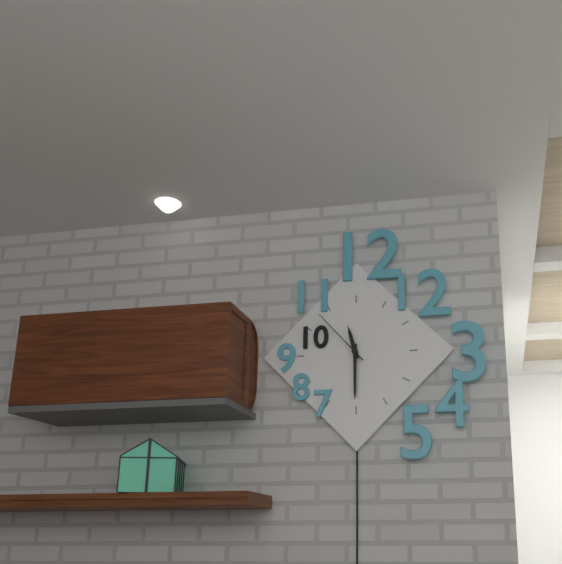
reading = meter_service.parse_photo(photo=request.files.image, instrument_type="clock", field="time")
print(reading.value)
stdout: 11:30:53
